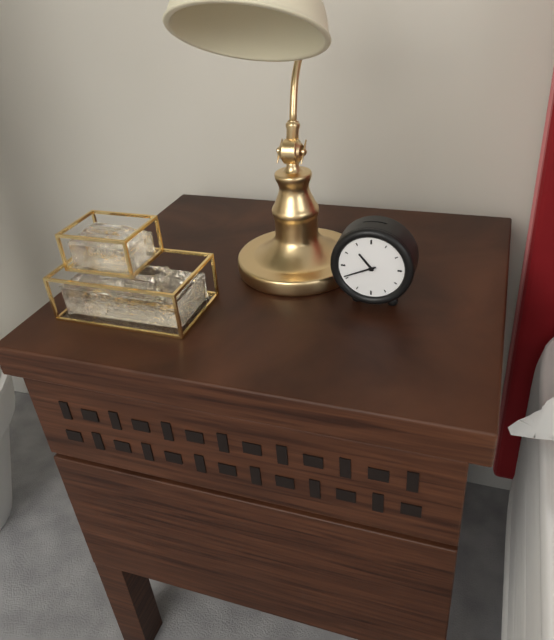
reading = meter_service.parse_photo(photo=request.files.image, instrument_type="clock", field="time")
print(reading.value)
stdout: 10:41
